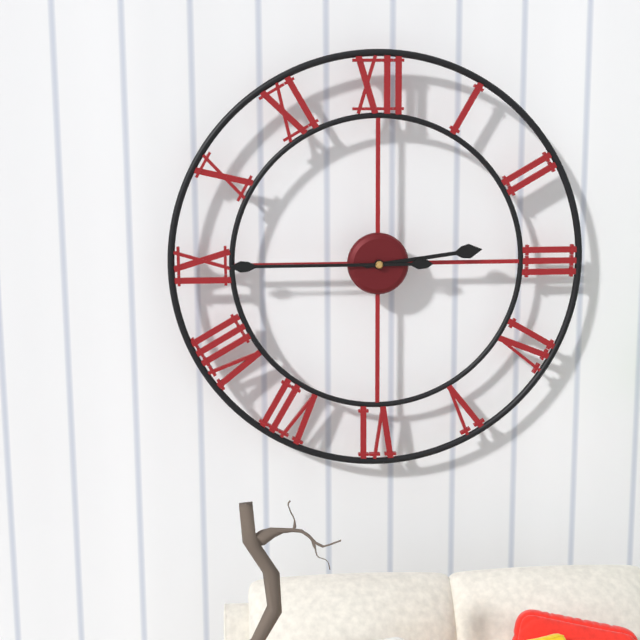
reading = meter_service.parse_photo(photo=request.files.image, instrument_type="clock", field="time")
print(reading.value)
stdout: 2:45
